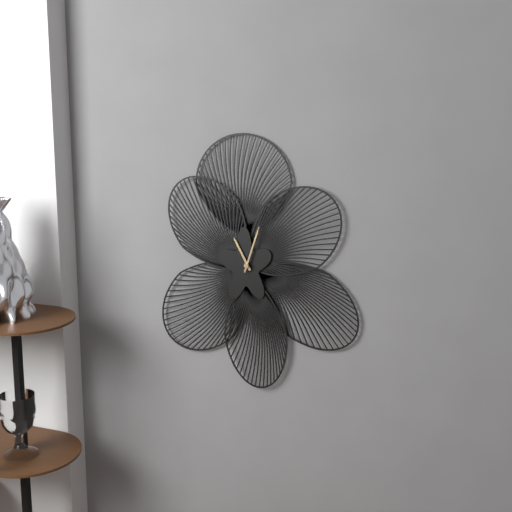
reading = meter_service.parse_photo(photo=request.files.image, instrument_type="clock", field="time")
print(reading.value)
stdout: 11:03
